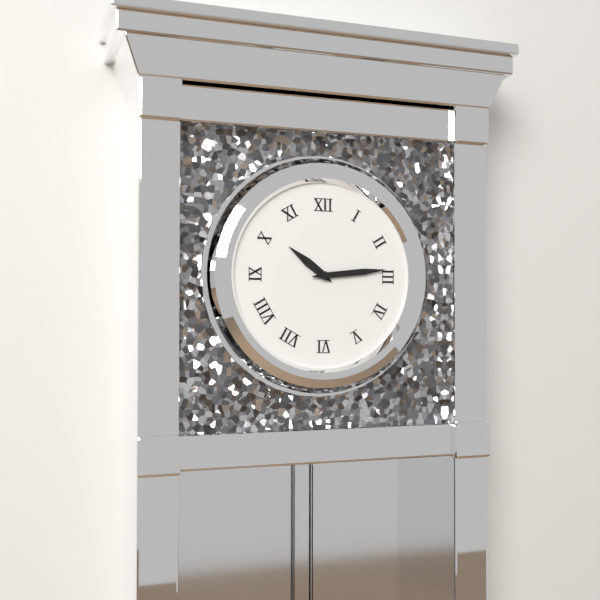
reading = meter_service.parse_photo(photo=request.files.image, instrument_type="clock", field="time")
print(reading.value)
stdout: 10:14
